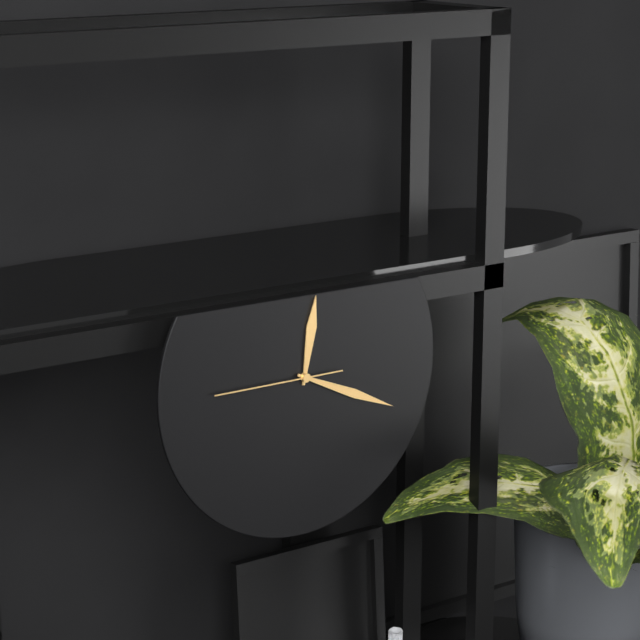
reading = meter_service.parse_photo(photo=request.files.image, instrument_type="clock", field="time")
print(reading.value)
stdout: 12:19:45
